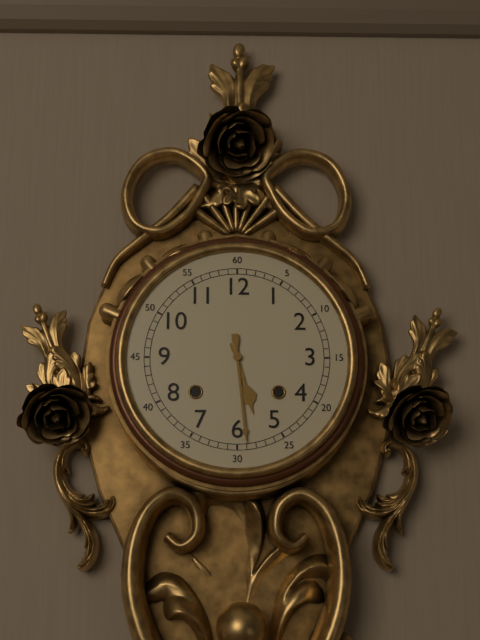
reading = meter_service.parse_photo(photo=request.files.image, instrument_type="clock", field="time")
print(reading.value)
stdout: 5:29
